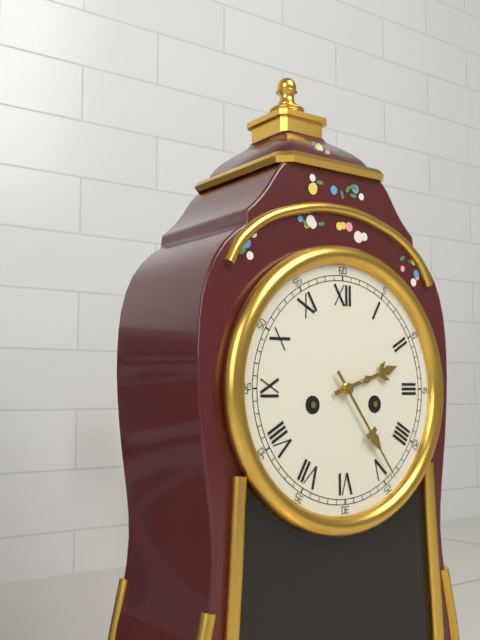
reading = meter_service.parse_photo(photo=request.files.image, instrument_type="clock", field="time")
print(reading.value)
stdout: 2:24
